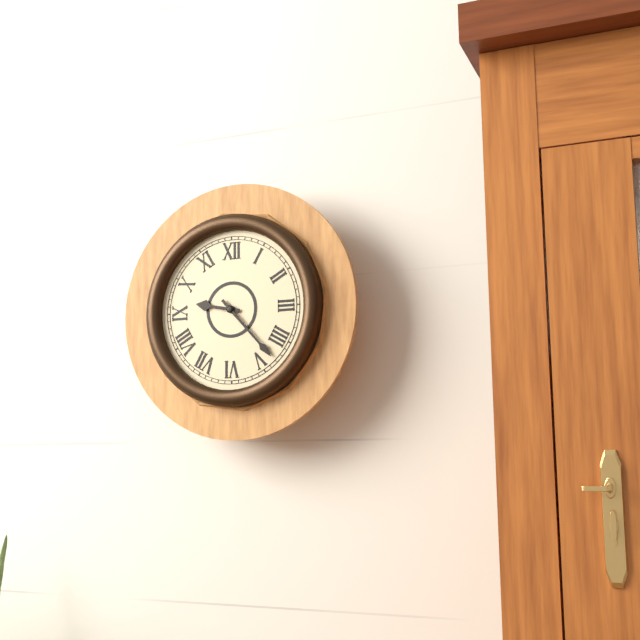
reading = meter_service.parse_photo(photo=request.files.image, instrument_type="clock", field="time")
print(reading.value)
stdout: 9:23
